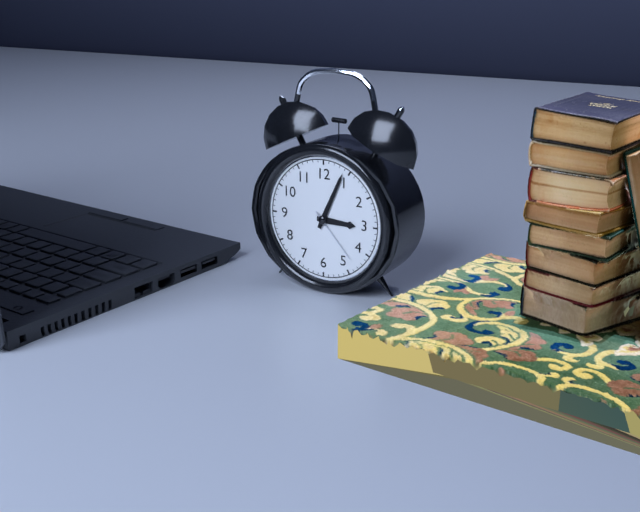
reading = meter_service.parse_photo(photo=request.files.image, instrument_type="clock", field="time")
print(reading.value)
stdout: 3:04:23
